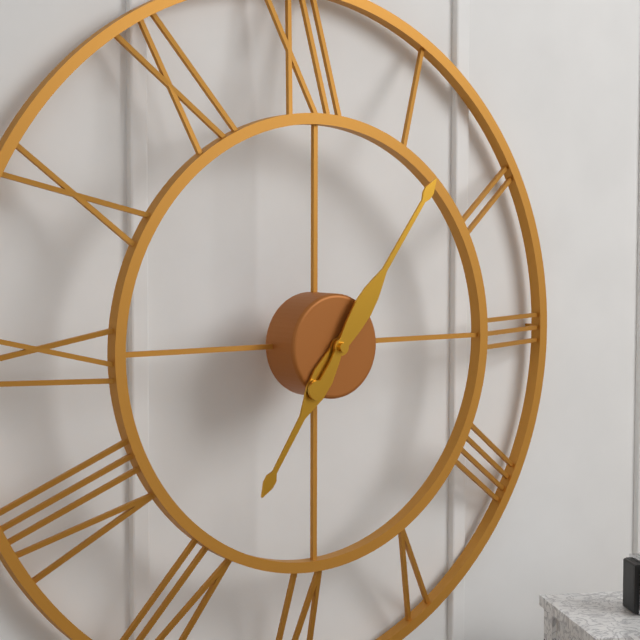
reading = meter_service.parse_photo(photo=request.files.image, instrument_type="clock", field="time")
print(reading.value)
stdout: 7:06
